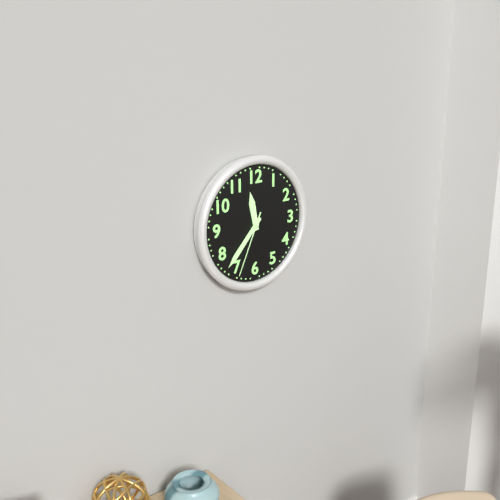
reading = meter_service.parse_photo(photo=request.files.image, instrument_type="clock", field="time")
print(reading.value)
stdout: 11:37:34
